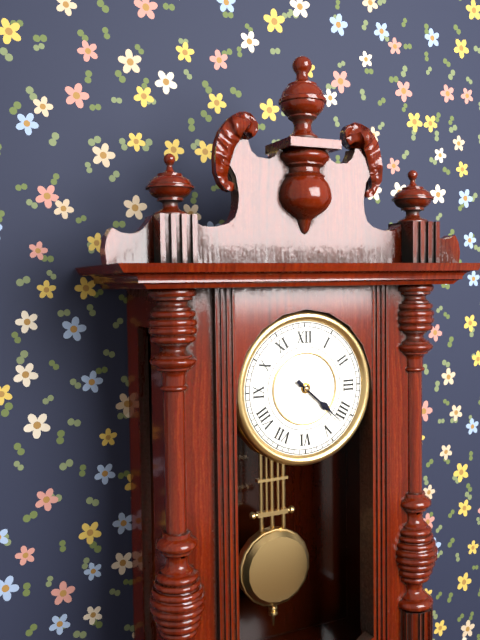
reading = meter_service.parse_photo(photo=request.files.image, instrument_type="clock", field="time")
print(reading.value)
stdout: 4:22
